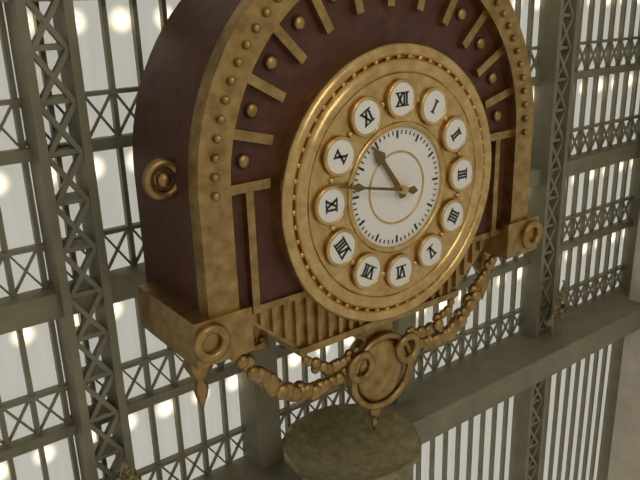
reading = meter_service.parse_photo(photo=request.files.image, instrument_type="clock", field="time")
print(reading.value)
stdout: 10:47
